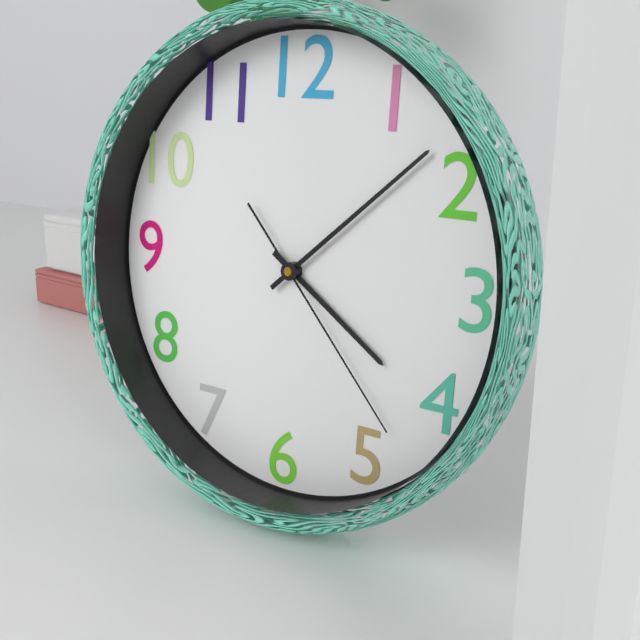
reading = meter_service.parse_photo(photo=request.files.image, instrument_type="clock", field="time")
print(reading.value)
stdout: 4:08:23
